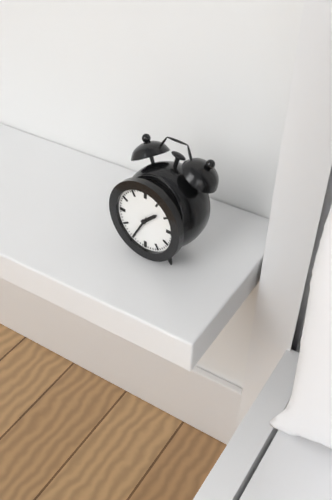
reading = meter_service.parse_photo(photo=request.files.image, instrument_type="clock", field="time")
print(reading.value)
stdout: 1:35
